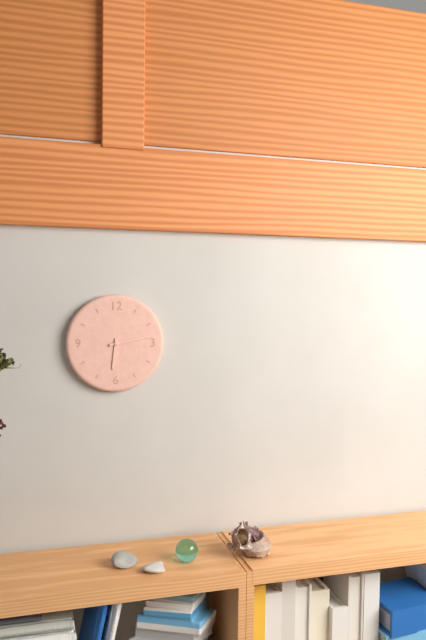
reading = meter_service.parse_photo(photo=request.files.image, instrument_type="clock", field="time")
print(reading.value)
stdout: 6:13
